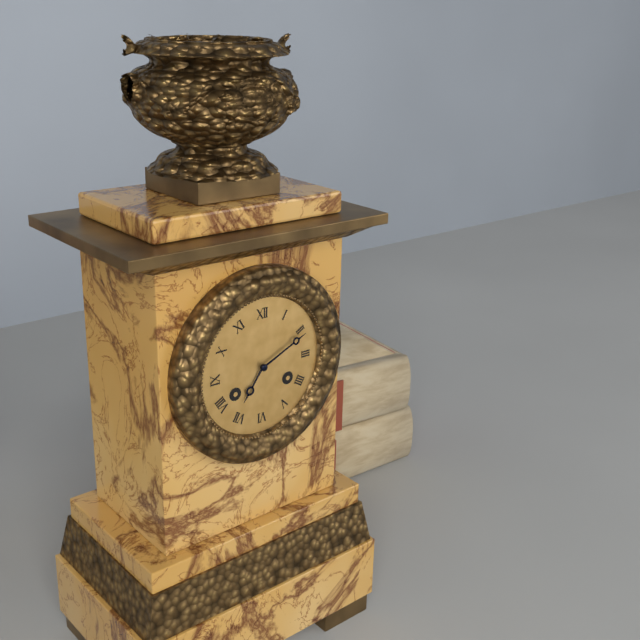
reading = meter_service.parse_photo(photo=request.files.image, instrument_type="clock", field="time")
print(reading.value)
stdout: 7:11
